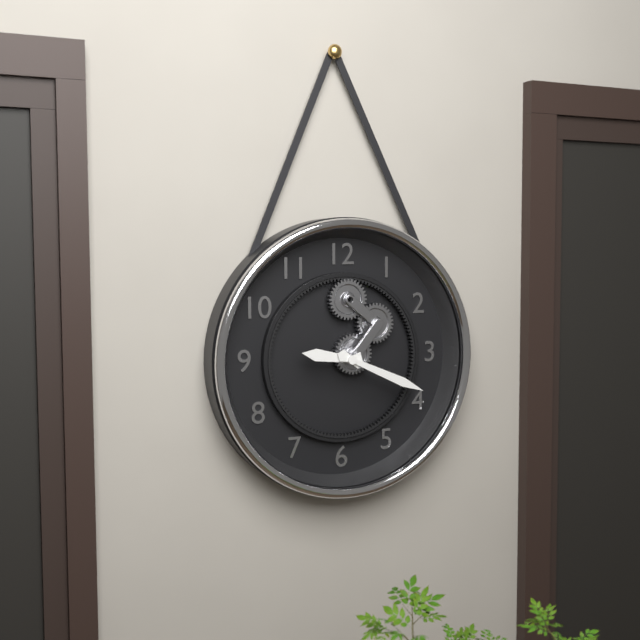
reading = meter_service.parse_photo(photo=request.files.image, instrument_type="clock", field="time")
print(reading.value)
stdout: 9:19
